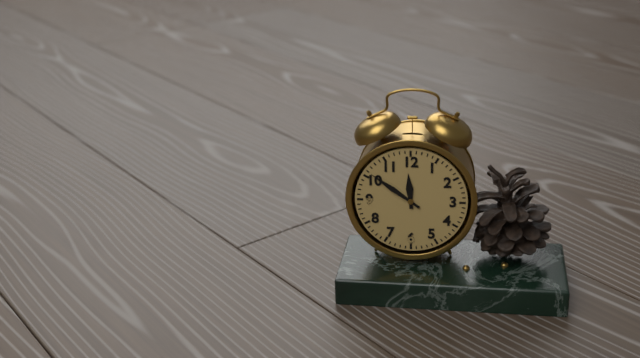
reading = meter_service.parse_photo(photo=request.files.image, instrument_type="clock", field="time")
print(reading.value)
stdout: 11:51
